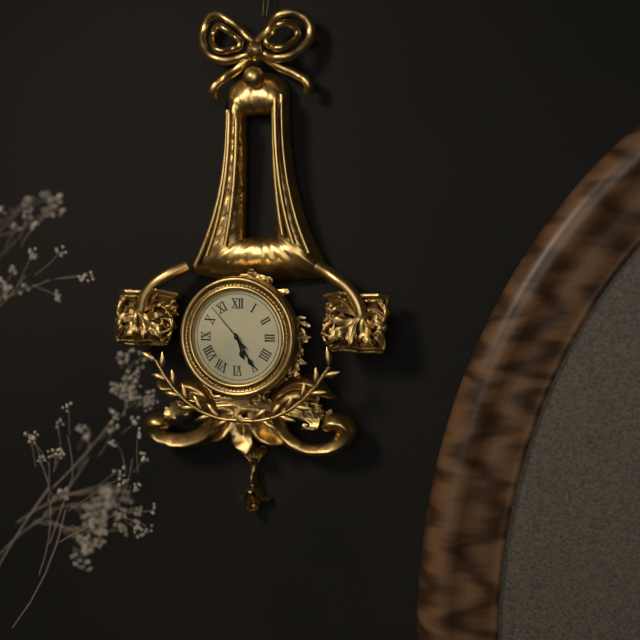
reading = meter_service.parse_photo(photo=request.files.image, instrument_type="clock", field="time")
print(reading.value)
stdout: 5:25
